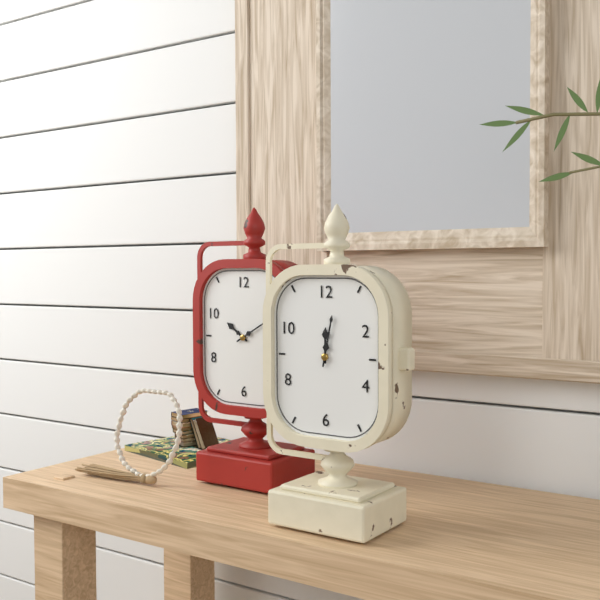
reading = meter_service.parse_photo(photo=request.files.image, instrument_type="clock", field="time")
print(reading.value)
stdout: 12:02
